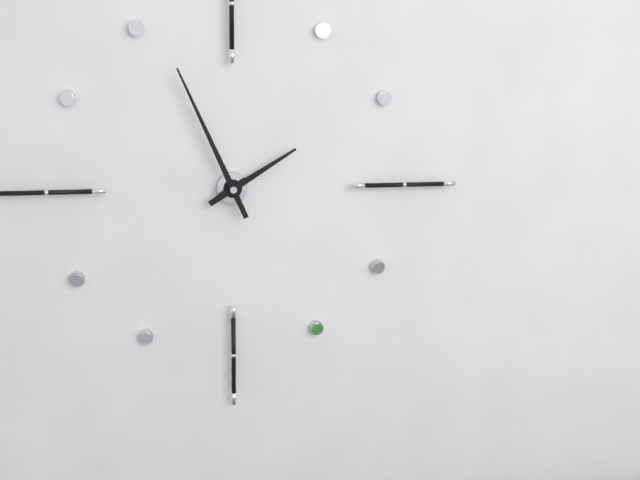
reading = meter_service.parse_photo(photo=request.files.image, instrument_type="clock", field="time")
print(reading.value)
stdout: 1:56
